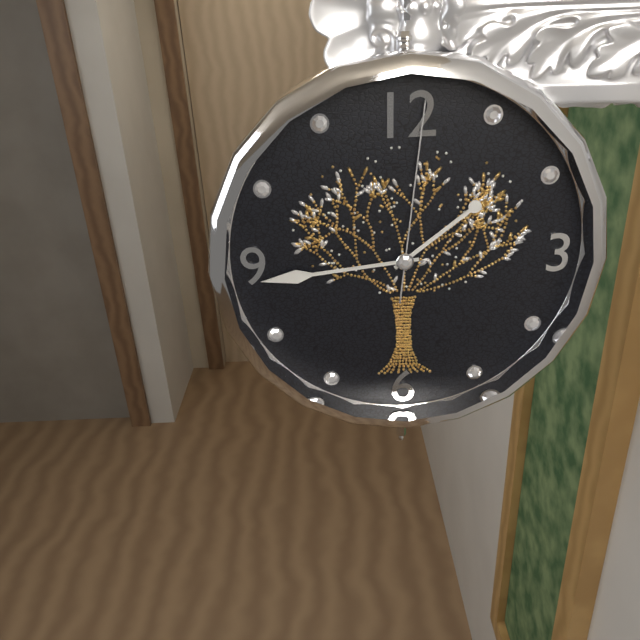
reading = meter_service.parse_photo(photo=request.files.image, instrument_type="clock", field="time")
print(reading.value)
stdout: 1:44:01
